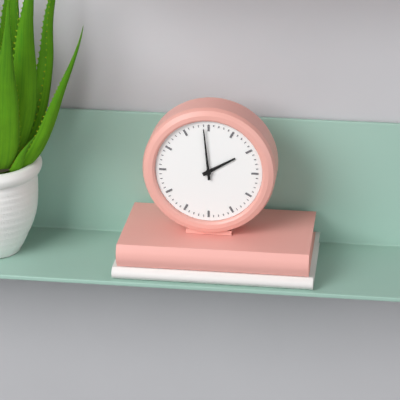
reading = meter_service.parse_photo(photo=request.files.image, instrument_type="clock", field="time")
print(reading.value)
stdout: 1:59
